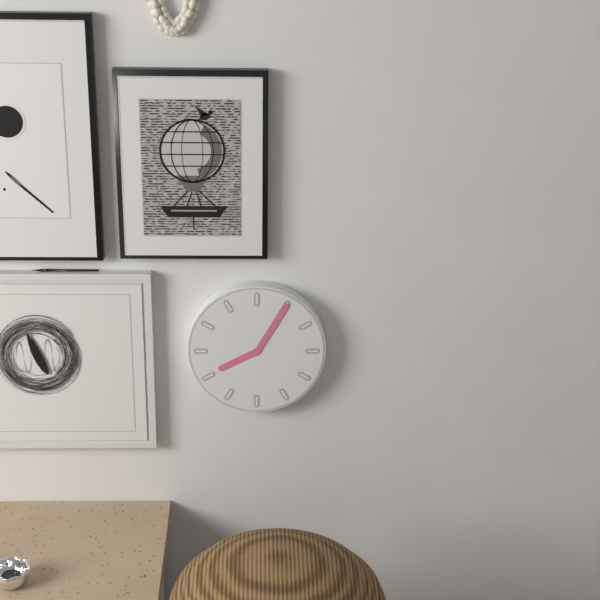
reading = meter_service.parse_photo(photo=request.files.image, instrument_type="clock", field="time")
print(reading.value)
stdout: 8:05
